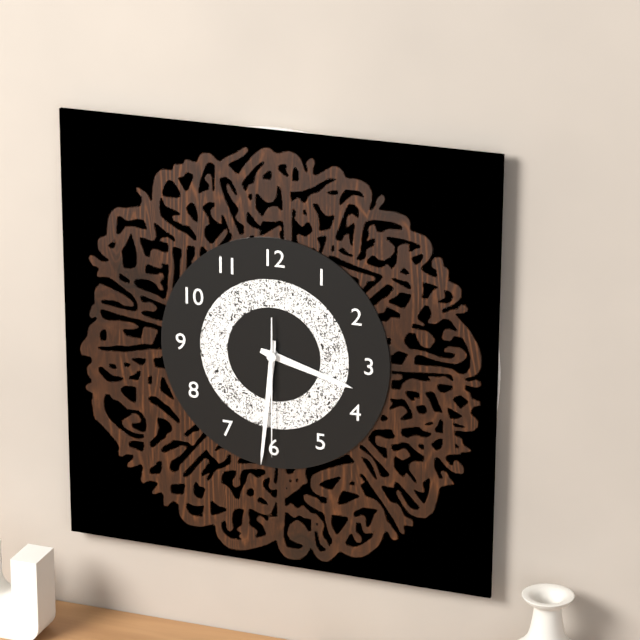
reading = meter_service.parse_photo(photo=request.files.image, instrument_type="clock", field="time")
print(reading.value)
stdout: 3:31:30
